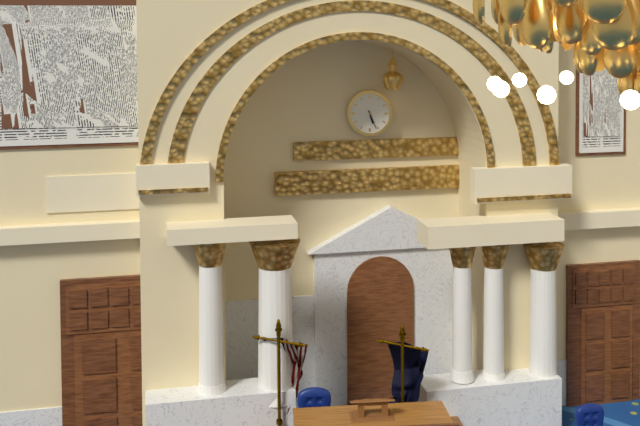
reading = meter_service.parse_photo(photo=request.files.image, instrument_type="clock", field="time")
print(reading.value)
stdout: 5:26
